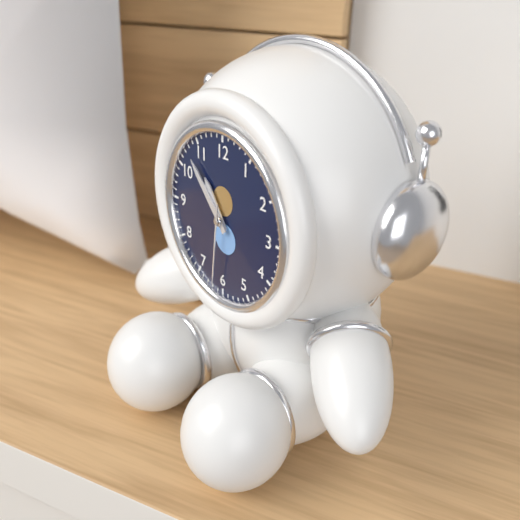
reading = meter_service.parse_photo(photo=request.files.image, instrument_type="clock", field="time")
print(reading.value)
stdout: 10:53:31
